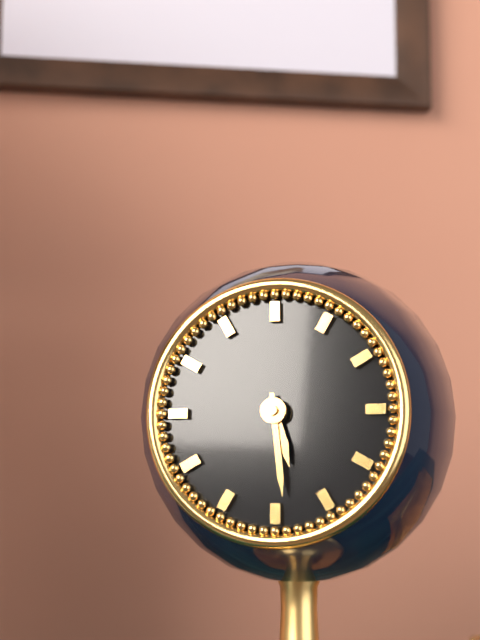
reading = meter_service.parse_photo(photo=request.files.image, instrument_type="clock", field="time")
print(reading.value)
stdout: 5:29
